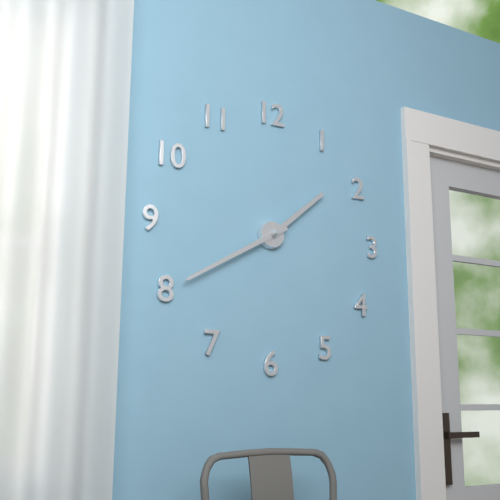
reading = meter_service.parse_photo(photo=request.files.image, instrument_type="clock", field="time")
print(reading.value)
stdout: 1:40
